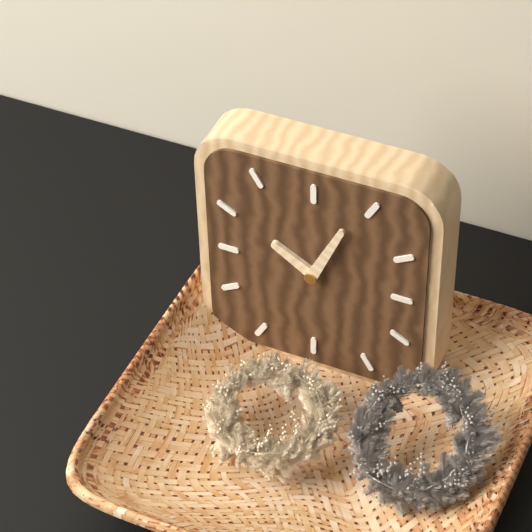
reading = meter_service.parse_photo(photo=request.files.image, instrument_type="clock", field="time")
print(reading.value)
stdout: 10:04
